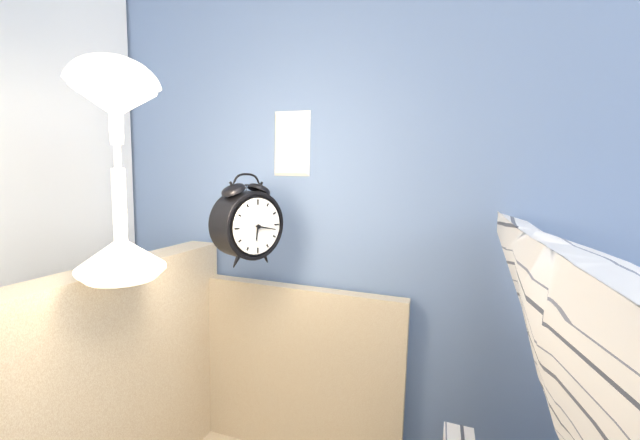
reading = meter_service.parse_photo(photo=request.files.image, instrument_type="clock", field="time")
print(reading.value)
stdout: 6:17
